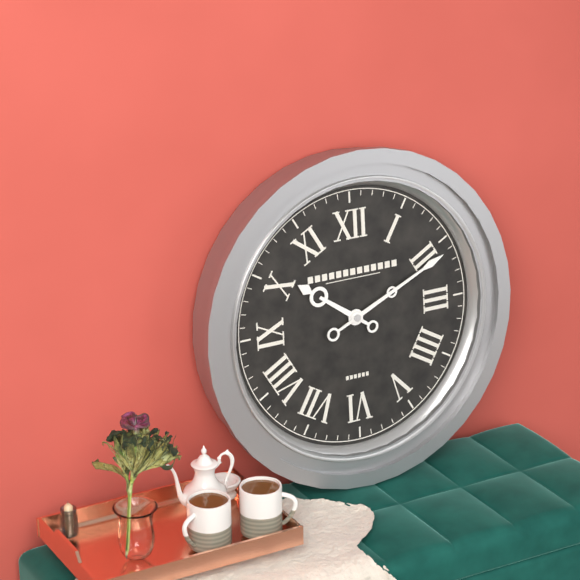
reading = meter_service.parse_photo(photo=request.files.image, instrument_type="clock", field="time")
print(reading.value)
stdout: 10:11
